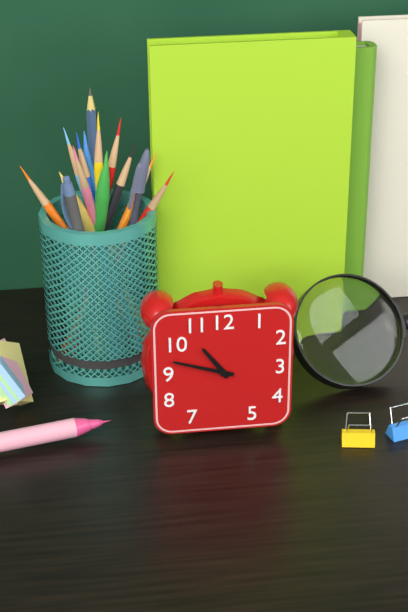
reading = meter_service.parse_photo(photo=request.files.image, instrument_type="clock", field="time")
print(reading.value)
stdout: 10:48
